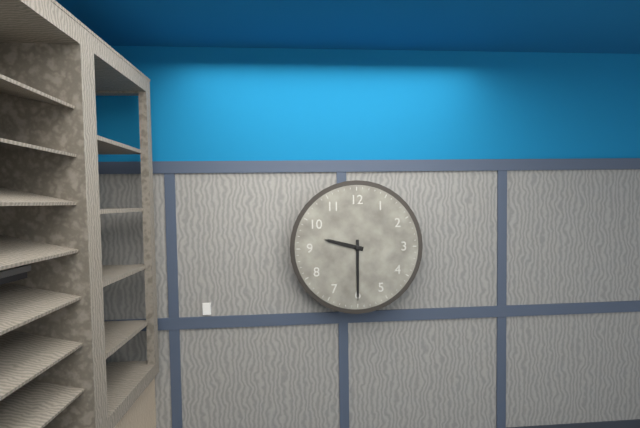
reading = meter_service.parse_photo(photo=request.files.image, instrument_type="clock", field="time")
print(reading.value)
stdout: 9:30
